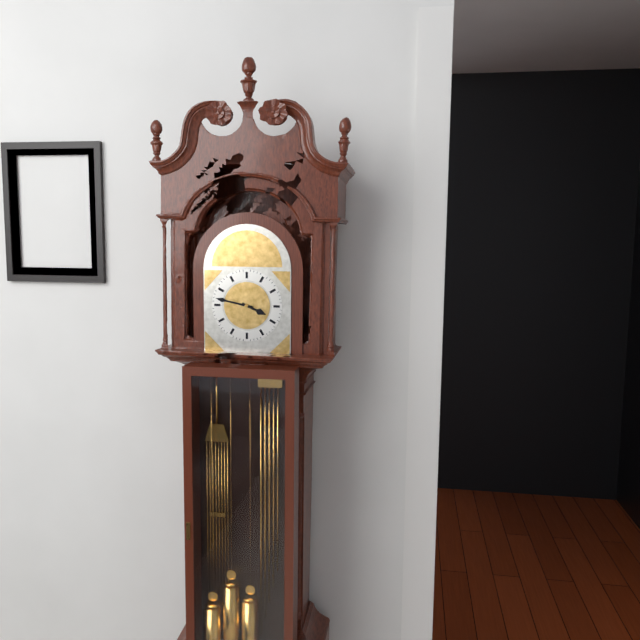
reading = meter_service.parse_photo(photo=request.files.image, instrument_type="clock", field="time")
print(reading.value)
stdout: 3:47
